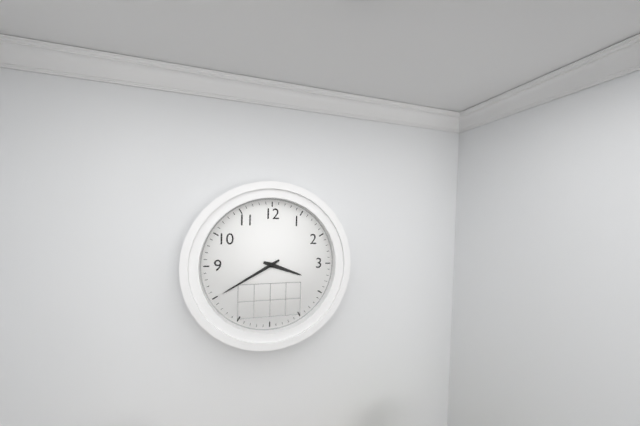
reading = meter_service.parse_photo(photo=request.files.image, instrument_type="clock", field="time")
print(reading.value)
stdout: 3:40
